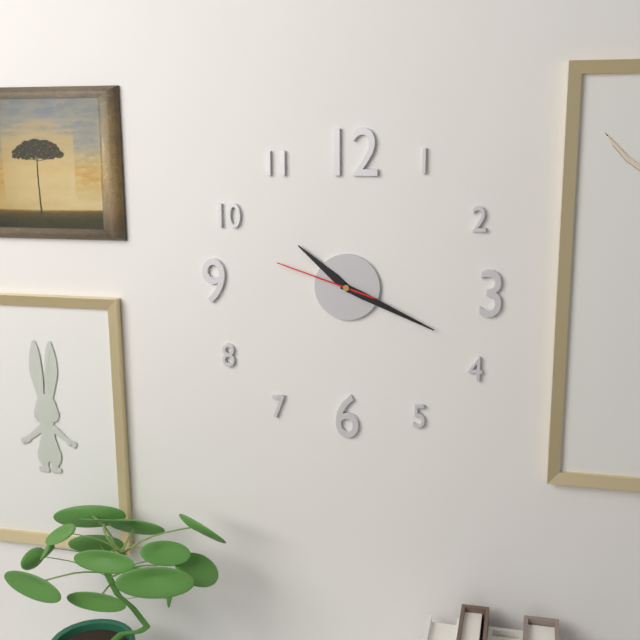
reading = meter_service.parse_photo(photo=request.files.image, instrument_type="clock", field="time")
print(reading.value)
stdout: 10:19:48
